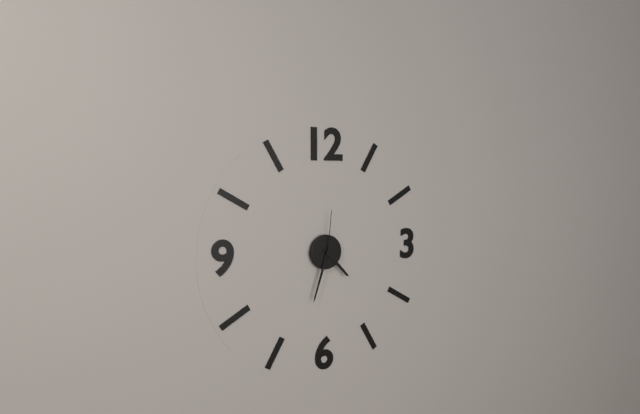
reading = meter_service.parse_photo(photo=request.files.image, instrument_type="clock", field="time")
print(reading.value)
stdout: 4:33:01
